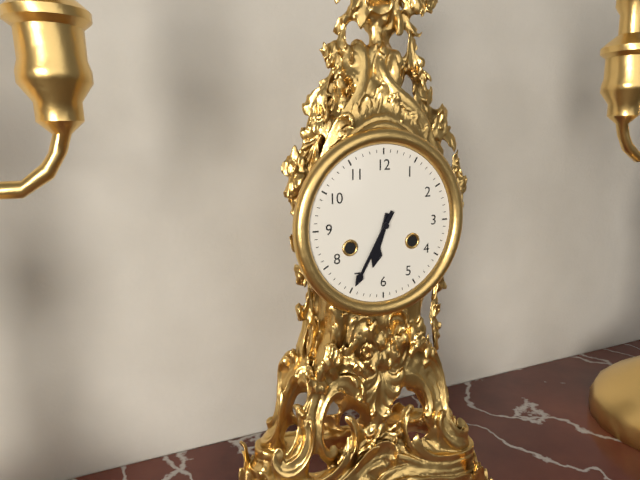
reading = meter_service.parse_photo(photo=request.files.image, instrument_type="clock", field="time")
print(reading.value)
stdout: 6:35
